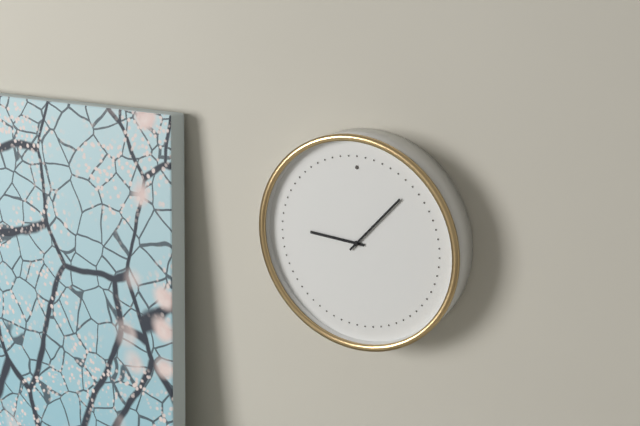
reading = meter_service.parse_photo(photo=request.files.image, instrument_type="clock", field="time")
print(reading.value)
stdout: 9:07
